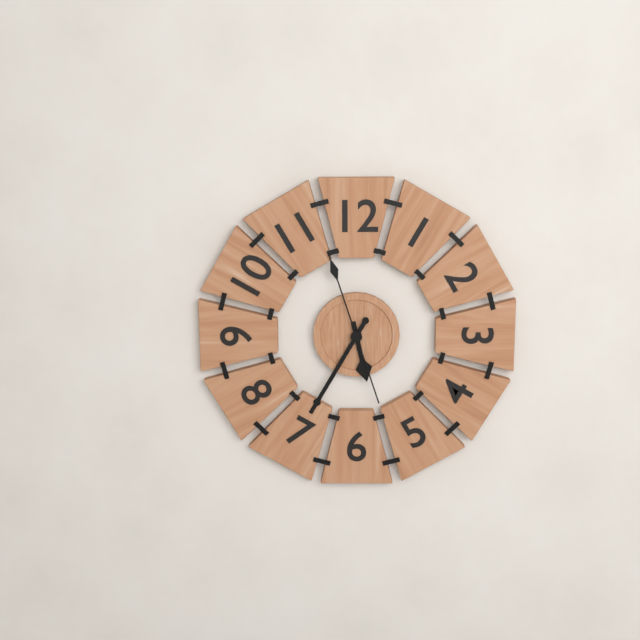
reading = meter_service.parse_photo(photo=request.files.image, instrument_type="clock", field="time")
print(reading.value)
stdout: 5:35:57
